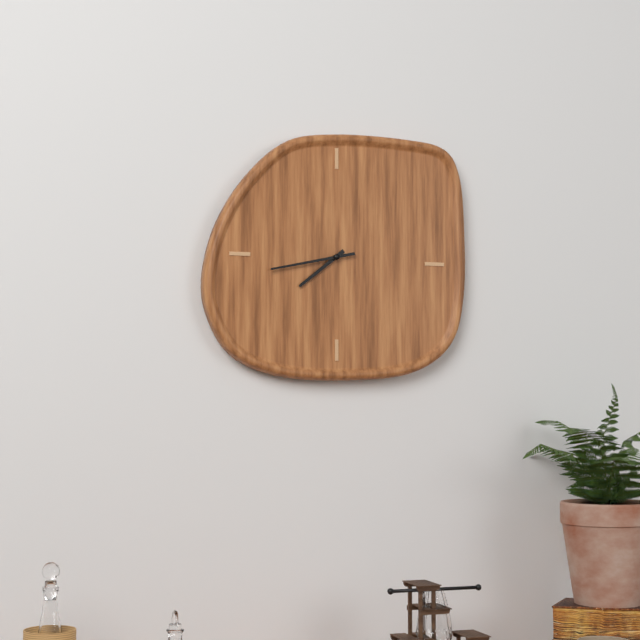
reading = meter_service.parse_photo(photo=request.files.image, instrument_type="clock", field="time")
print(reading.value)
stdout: 7:43
